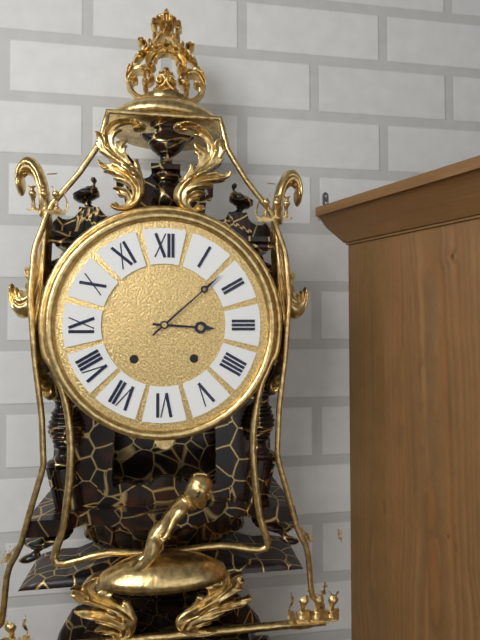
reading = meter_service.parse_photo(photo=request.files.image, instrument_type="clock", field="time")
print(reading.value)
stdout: 3:08
